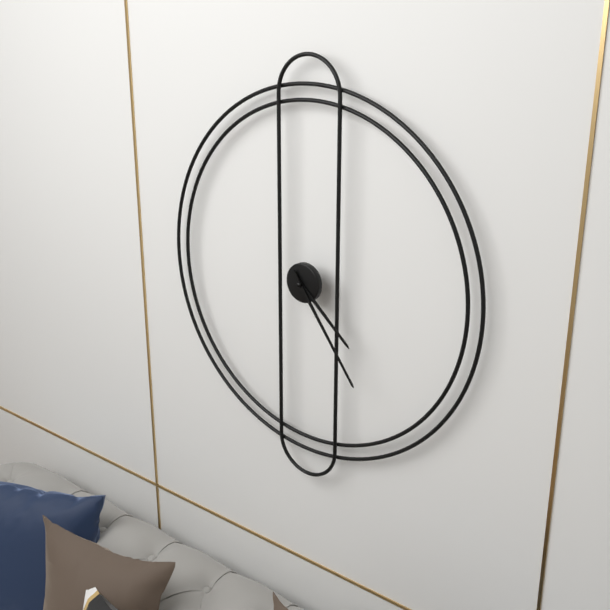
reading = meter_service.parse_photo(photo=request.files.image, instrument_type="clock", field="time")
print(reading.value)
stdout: 4:24
